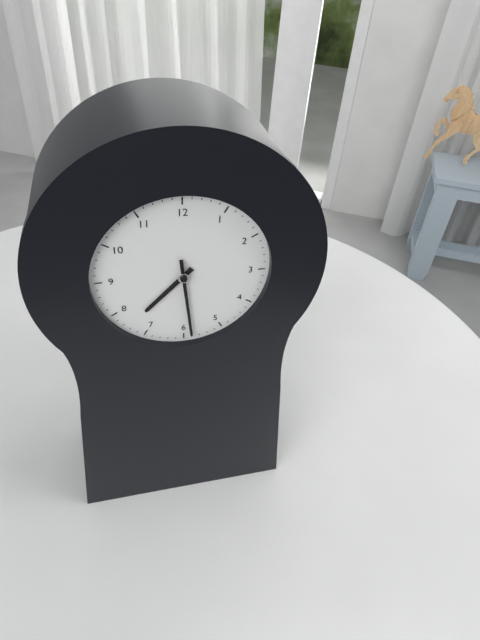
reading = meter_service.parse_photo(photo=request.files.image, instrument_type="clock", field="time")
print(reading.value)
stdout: 7:29
